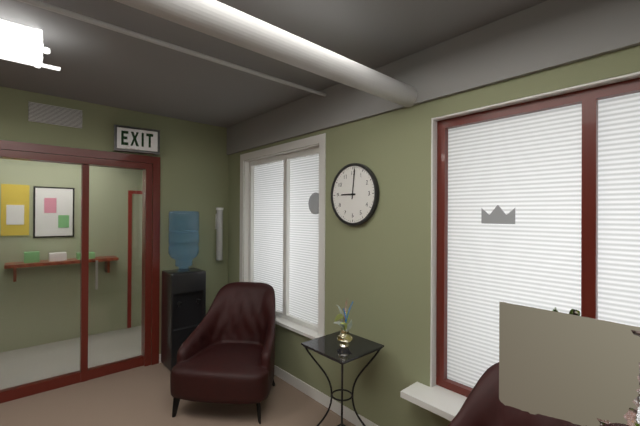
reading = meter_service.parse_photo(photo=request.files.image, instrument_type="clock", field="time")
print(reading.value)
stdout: 9:01
